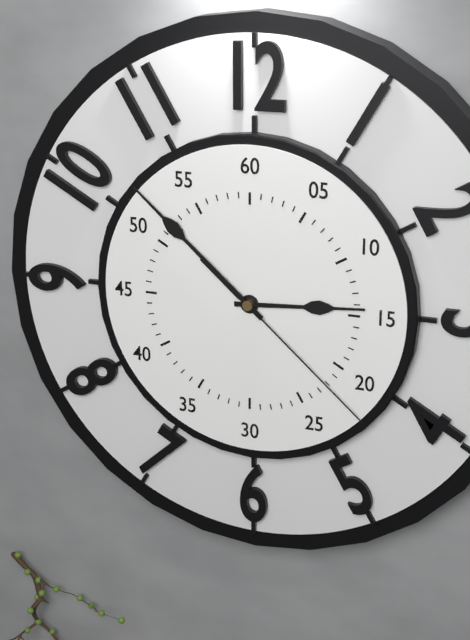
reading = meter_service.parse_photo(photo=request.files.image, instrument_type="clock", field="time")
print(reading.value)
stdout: 2:52:22
